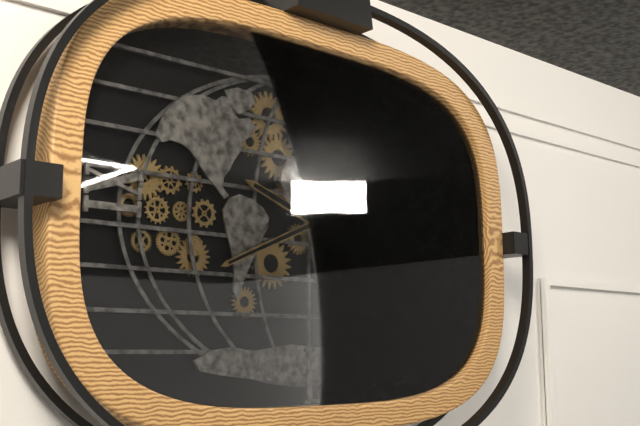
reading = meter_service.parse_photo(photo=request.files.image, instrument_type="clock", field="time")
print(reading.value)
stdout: 9:41
